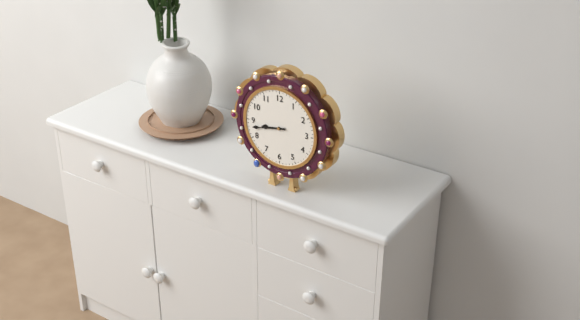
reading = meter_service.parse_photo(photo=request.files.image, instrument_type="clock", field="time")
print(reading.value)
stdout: 8:43
